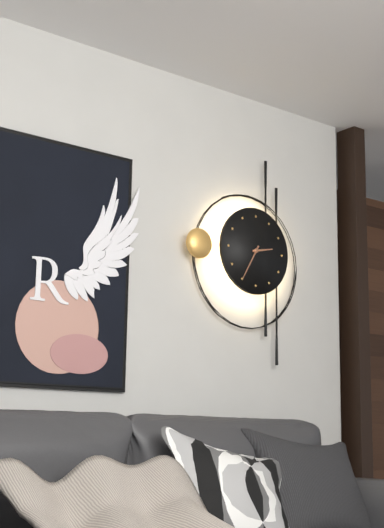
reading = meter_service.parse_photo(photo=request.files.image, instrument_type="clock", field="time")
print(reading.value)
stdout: 2:35
